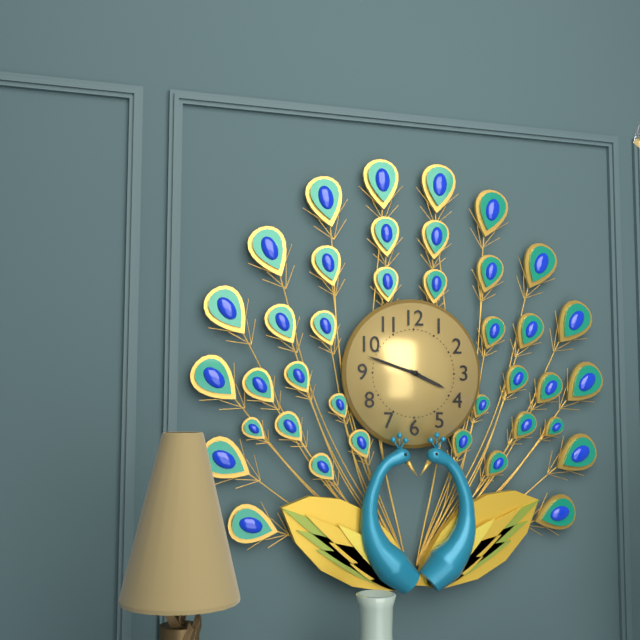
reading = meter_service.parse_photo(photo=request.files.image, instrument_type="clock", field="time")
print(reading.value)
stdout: 3:48:48
